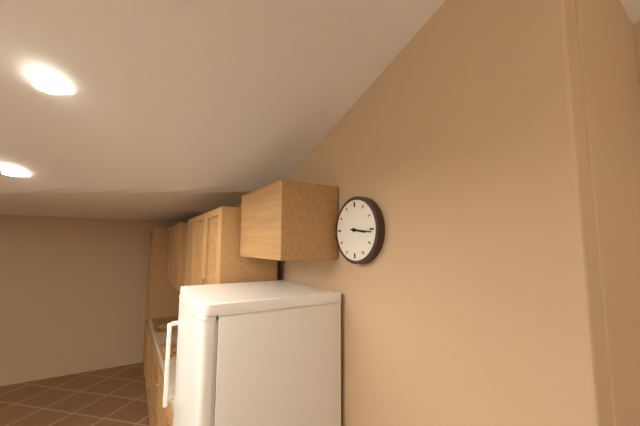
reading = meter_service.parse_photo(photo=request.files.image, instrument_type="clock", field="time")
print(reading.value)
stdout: 3:16
